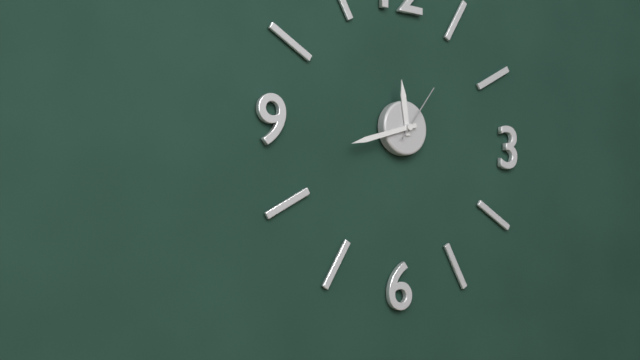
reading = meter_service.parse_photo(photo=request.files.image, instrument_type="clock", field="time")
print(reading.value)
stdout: 11:42:06
